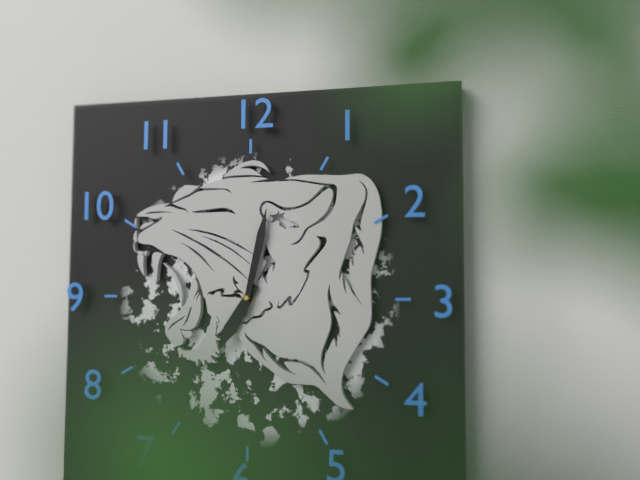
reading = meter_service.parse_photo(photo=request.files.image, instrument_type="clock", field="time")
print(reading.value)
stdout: 7:02
